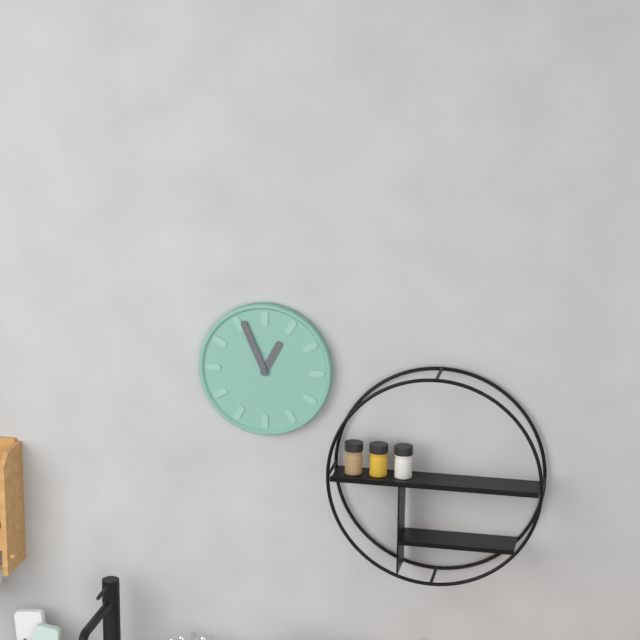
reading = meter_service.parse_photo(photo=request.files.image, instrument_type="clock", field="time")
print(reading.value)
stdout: 12:56
